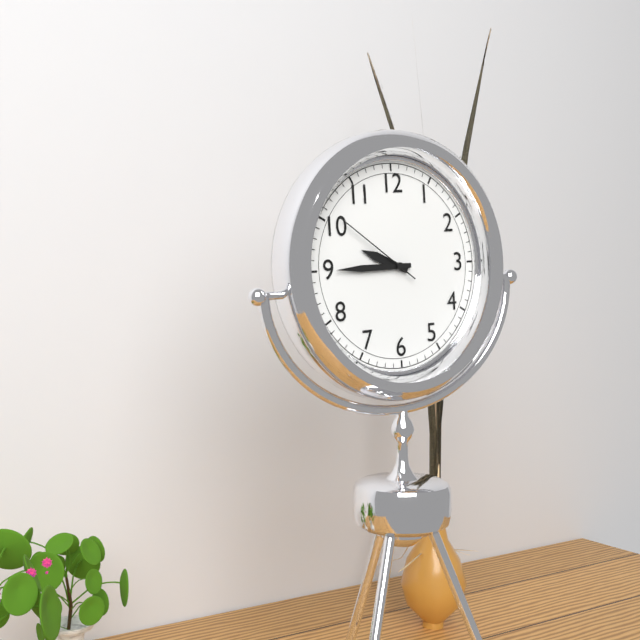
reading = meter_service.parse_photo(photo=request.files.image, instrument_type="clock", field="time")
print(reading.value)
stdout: 9:45:51
